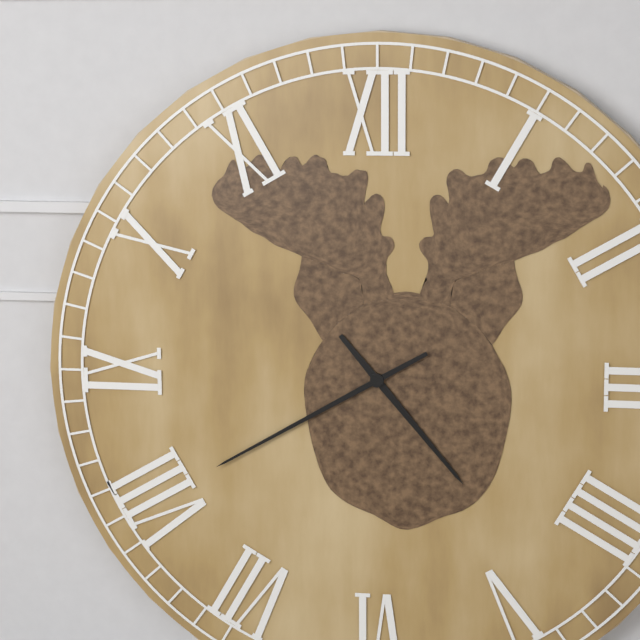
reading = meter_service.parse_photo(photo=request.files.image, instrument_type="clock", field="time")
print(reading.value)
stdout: 4:40
